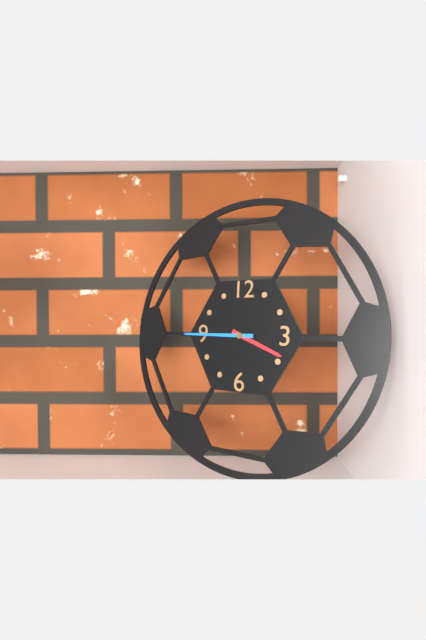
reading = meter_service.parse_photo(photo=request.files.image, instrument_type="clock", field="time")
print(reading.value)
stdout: 3:45
